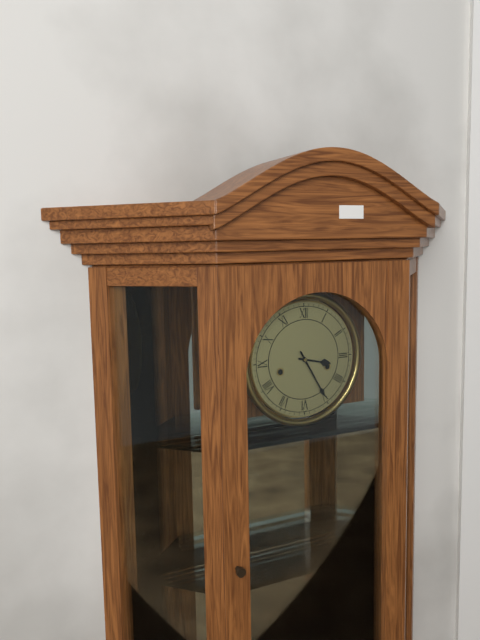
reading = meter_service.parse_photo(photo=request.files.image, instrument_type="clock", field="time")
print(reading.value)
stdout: 3:25
